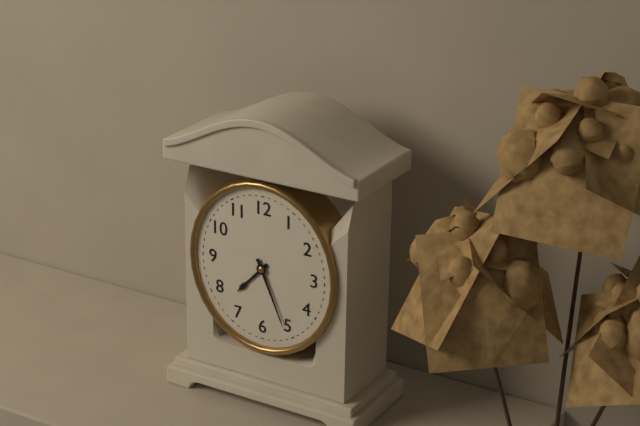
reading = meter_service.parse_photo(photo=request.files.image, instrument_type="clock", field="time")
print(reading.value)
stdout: 7:26
